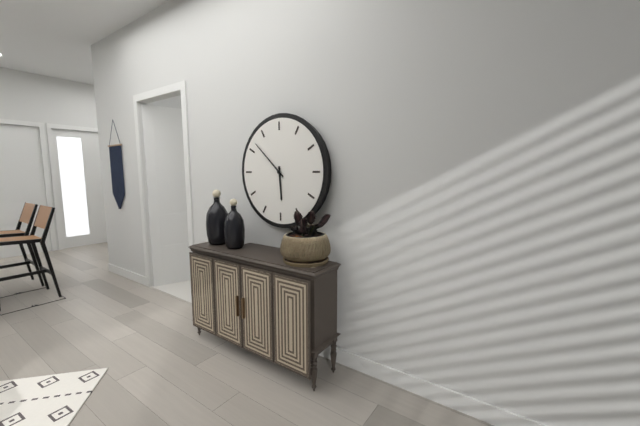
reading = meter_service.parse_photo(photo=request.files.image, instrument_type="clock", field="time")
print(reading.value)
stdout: 5:52
